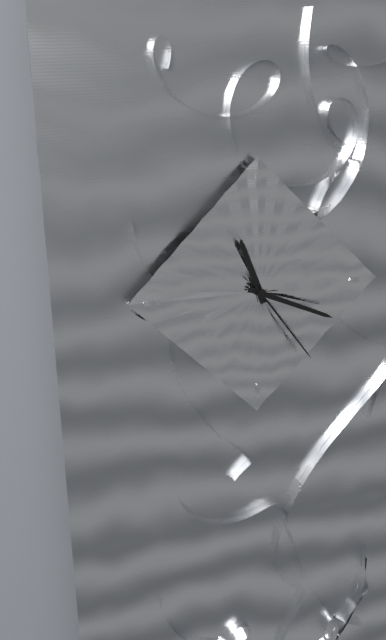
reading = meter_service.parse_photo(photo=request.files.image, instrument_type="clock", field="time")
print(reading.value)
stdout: 11:19:24
